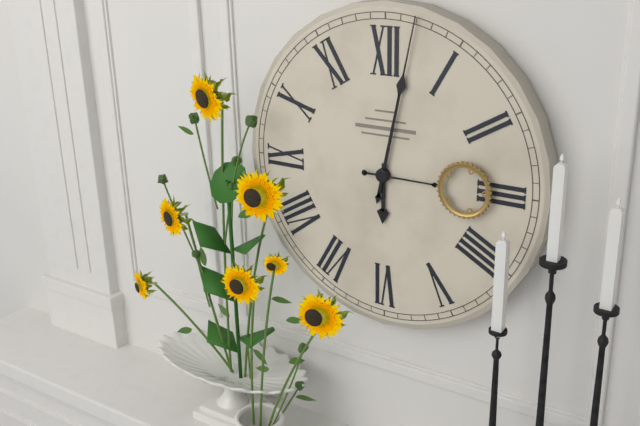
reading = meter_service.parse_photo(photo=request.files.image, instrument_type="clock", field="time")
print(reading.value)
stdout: 6:02:15
